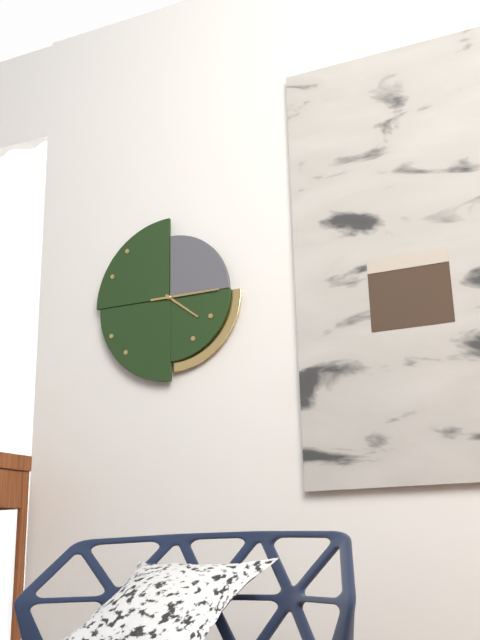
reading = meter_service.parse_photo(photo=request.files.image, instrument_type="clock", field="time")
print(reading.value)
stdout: 4:15
